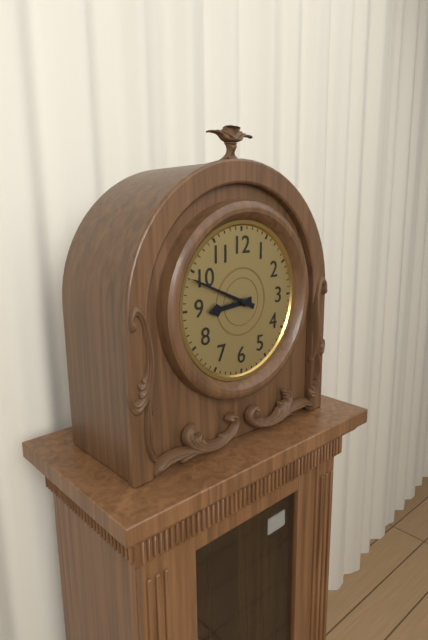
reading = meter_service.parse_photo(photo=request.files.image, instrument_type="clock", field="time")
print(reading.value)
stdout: 8:49
